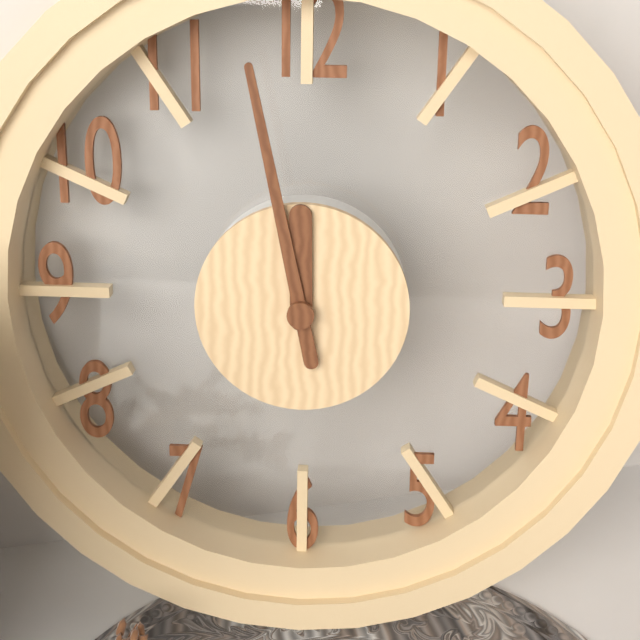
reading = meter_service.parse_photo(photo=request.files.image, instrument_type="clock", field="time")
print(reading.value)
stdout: 11:58
